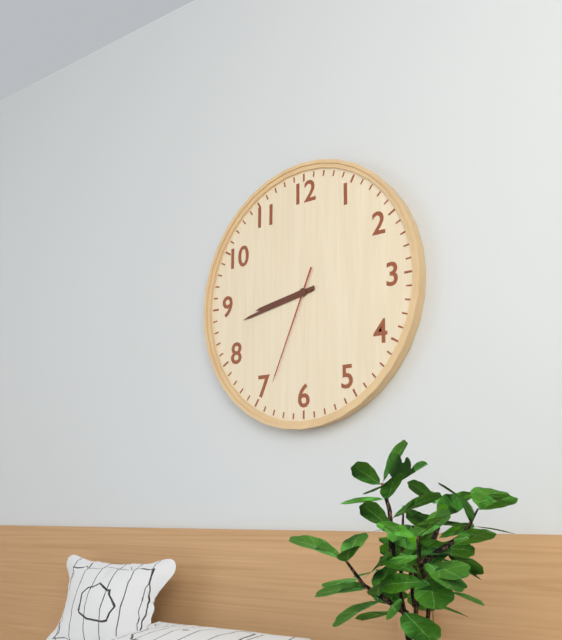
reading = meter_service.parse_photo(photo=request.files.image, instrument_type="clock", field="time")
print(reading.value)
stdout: 8:43:34
